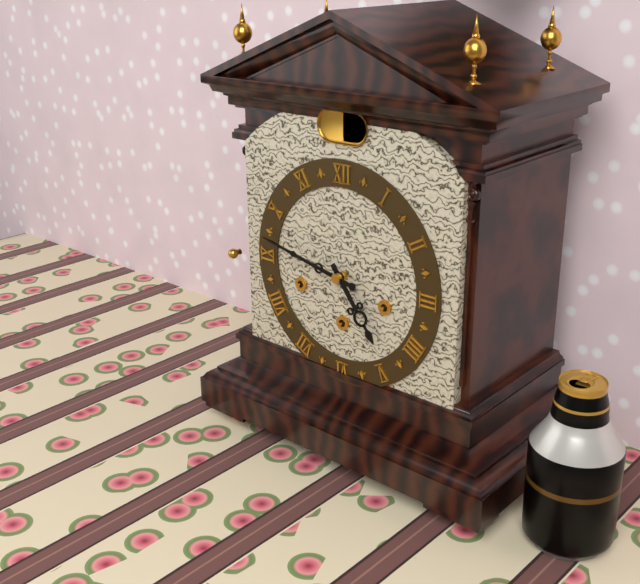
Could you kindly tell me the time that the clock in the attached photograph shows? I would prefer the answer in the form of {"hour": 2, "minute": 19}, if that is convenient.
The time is {"hour": 4, "minute": 47}
